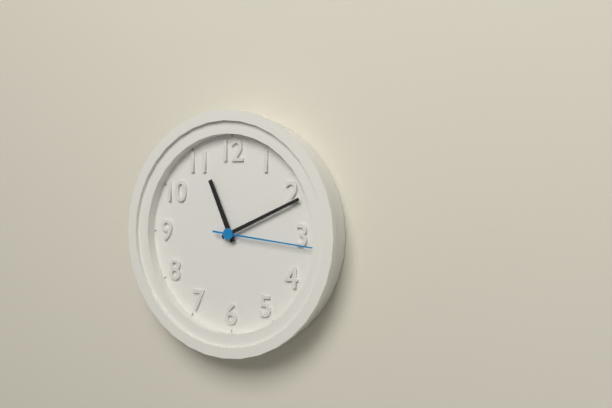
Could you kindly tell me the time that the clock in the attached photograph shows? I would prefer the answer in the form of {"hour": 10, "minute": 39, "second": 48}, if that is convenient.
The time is {"hour": 11, "minute": 11, "second": 16}
